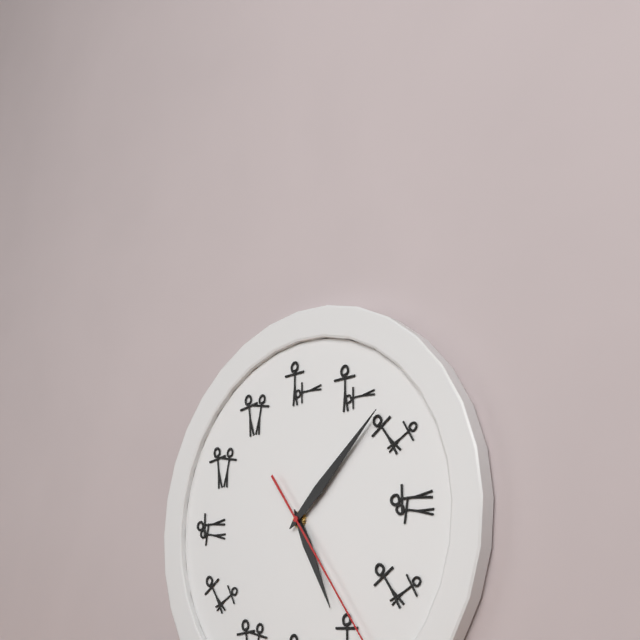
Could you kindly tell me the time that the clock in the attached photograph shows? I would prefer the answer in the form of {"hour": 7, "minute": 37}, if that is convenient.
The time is {"hour": 5, "minute": 8}
